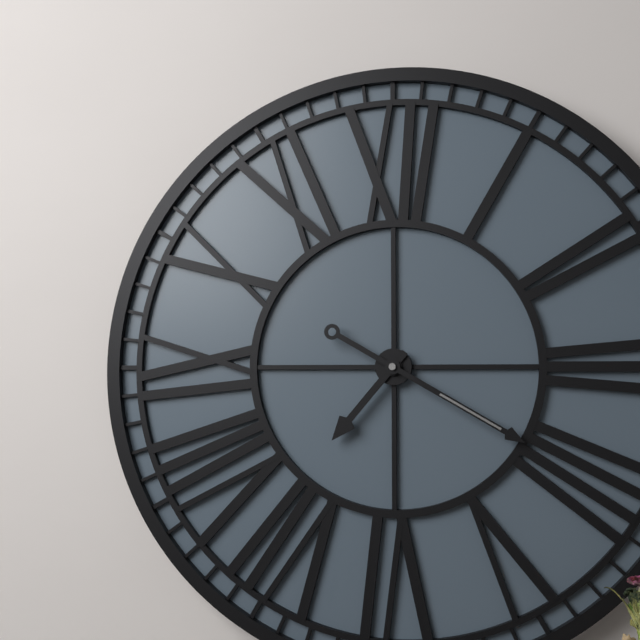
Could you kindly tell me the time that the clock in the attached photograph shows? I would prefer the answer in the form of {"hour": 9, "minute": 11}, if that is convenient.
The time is {"hour": 7, "minute": 20}
